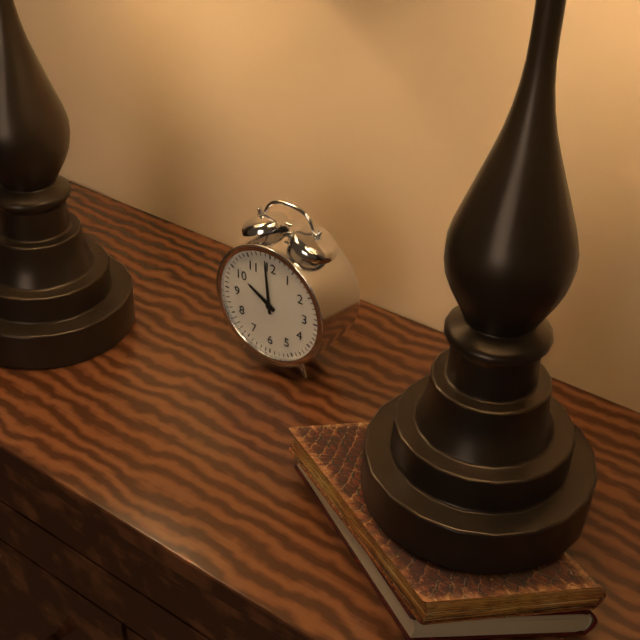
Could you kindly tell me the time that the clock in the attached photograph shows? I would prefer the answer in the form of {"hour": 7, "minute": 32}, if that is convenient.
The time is {"hour": 9, "minute": 59}
